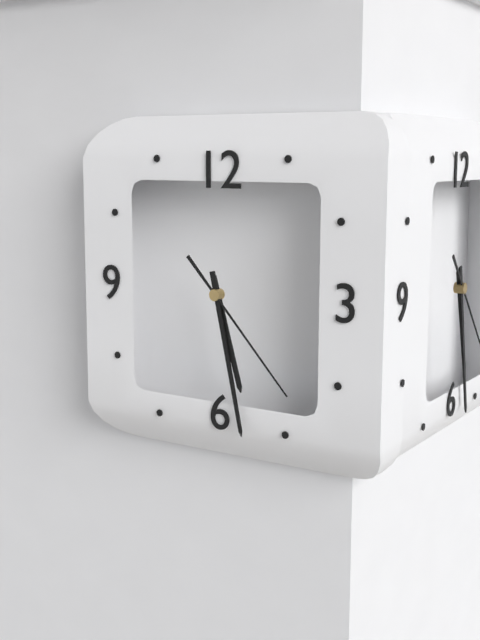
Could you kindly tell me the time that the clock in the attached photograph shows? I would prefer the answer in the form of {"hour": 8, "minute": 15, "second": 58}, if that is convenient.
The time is {"hour": 5, "minute": 28, "second": 23}
